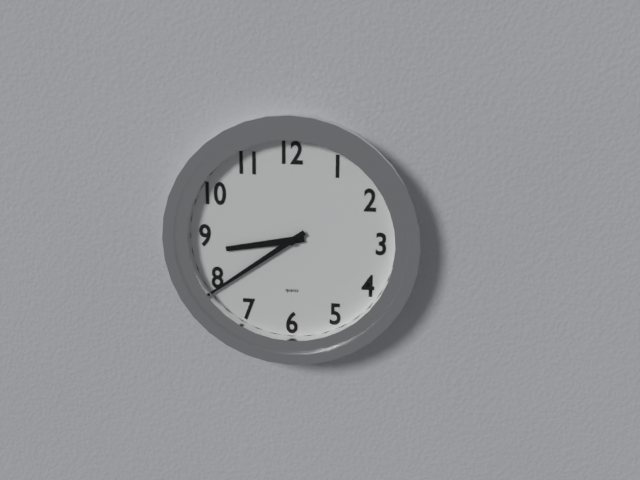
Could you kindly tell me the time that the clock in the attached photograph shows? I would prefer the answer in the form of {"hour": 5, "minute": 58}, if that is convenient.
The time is {"hour": 8, "minute": 39}
